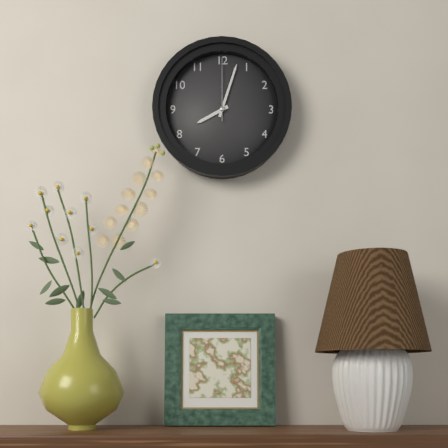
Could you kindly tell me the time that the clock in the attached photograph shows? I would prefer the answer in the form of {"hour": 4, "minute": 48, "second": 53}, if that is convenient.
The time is {"hour": 8, "minute": 3, "second": 0}
